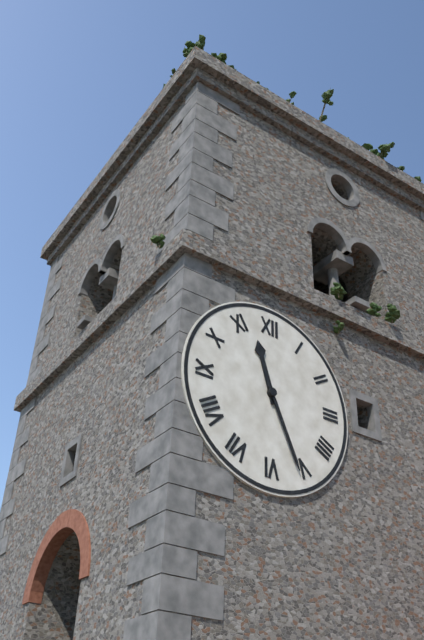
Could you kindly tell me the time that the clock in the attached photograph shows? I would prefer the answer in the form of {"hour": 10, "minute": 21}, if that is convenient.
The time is {"hour": 11, "minute": 26}
